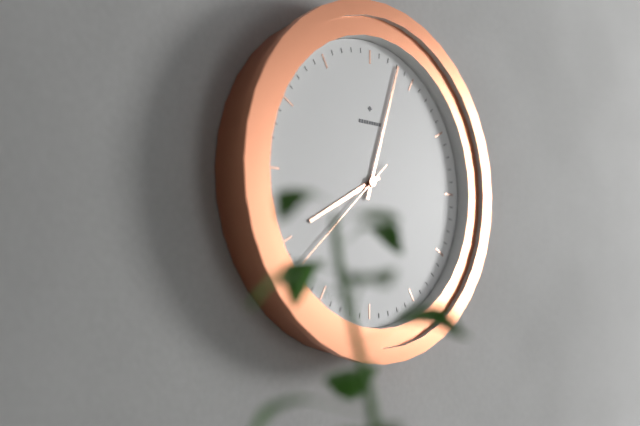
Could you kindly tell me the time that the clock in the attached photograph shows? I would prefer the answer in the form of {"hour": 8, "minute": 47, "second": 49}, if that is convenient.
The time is {"hour": 8, "minute": 3, "second": 38}
